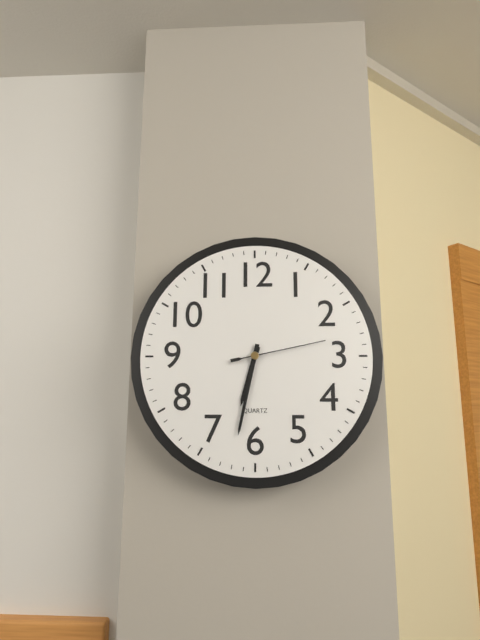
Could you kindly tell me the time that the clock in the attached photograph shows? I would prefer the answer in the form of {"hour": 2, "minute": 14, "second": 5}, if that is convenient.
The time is {"hour": 6, "minute": 32, "second": 13}
